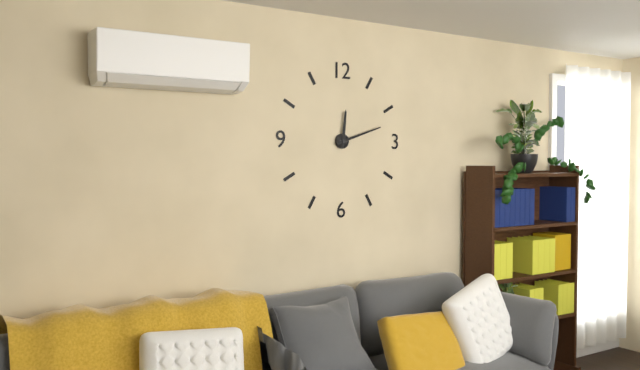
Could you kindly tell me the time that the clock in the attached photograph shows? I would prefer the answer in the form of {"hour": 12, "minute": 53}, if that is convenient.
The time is {"hour": 12, "minute": 12}
